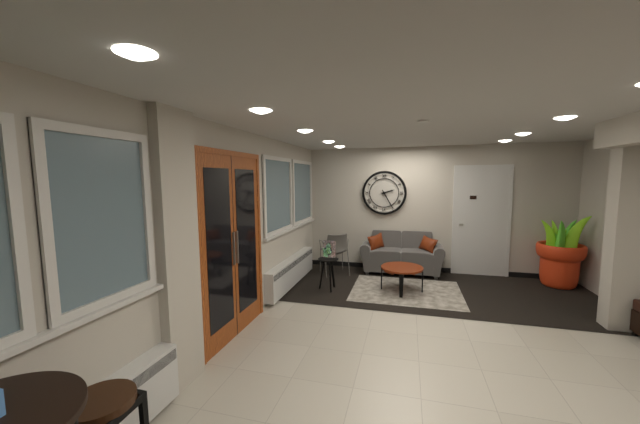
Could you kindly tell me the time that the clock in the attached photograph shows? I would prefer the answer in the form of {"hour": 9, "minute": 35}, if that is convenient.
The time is {"hour": 2, "minute": 25}
